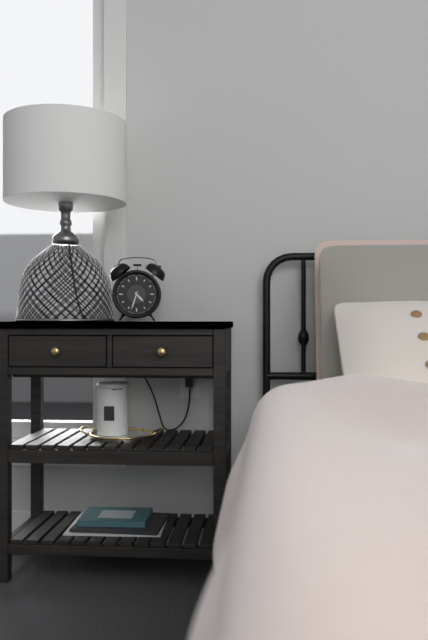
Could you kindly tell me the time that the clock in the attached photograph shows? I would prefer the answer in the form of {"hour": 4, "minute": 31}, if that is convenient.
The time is {"hour": 4, "minute": 33}
